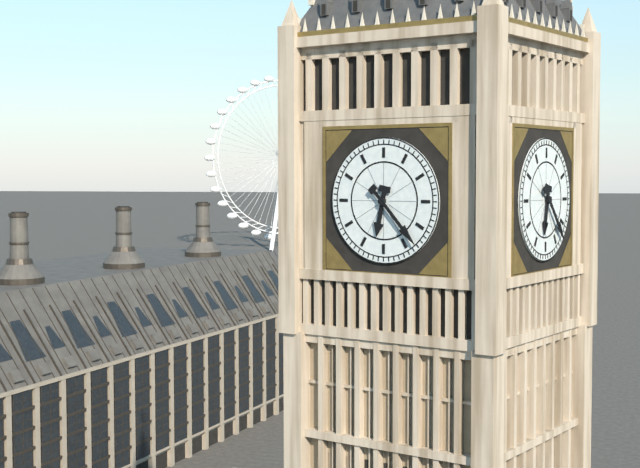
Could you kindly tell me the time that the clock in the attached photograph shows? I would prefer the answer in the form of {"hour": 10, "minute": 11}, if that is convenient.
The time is {"hour": 6, "minute": 23}
